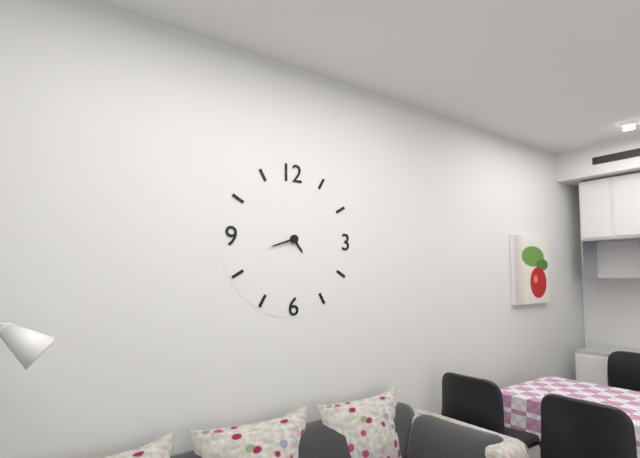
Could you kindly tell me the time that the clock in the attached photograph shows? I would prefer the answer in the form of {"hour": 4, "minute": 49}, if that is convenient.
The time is {"hour": 4, "minute": 42}
